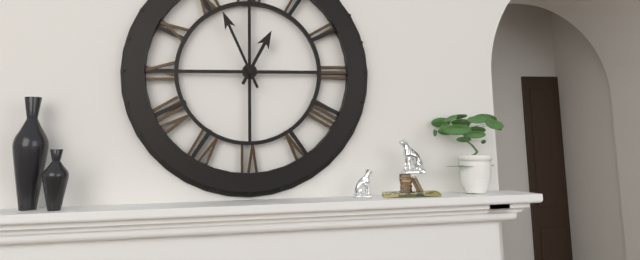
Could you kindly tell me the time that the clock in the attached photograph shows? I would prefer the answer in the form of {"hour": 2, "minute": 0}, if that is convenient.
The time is {"hour": 12, "minute": 56}
